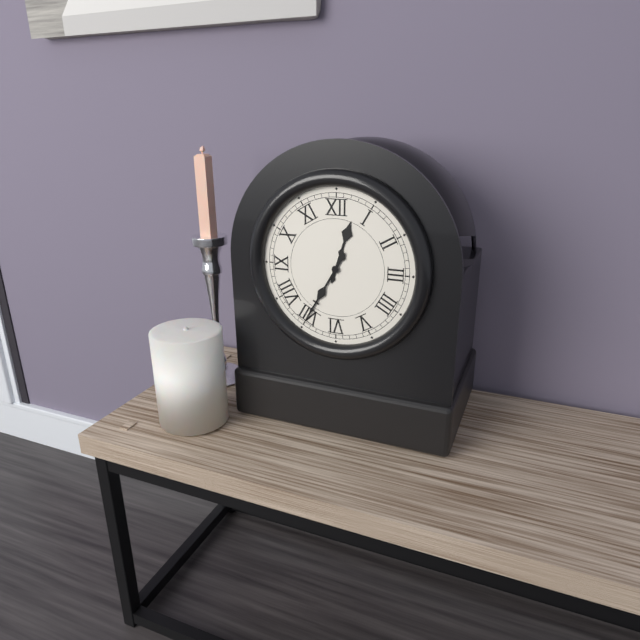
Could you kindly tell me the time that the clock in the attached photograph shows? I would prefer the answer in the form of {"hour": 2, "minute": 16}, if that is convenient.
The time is {"hour": 12, "minute": 35}
